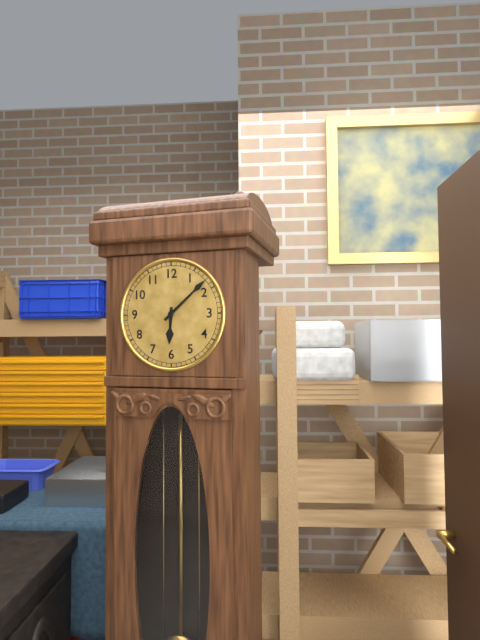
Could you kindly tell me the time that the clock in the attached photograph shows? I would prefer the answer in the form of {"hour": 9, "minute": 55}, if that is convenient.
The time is {"hour": 6, "minute": 8}
